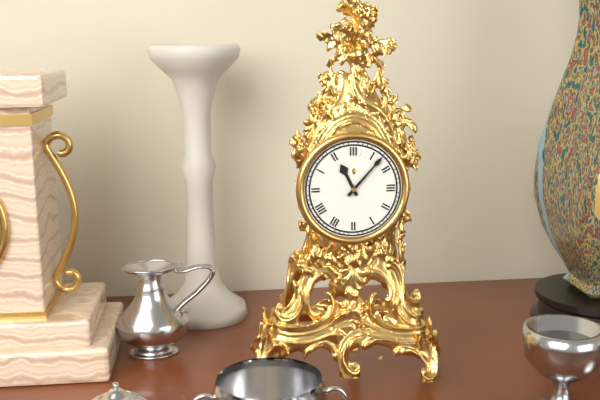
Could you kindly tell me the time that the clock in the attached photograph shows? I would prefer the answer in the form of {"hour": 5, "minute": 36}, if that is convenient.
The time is {"hour": 11, "minute": 7}
